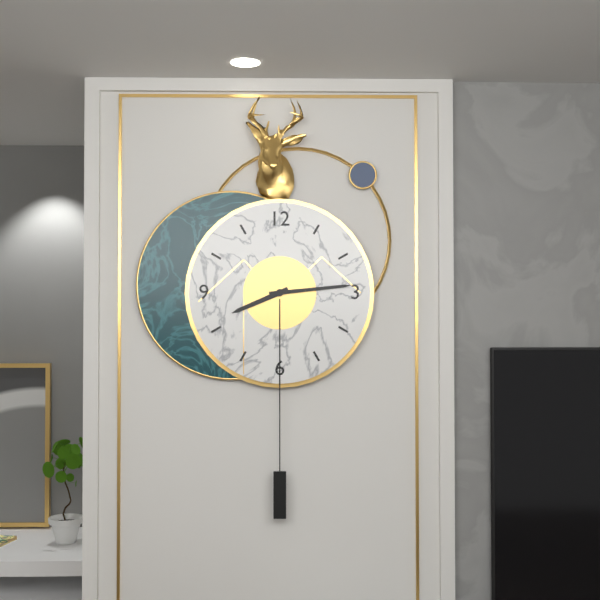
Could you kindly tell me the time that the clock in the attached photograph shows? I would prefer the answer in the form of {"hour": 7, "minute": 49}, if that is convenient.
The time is {"hour": 8, "minute": 14}
